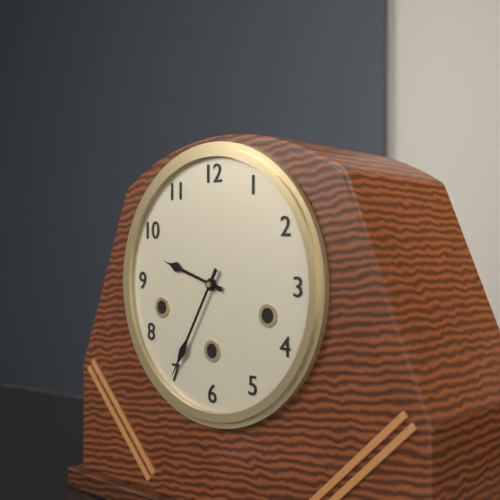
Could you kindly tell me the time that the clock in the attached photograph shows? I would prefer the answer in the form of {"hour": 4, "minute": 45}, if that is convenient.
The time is {"hour": 9, "minute": 35}
